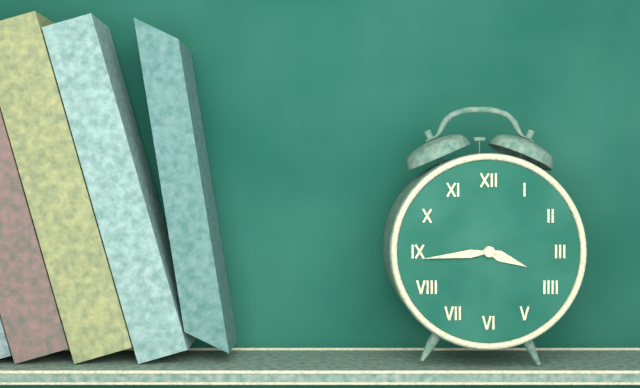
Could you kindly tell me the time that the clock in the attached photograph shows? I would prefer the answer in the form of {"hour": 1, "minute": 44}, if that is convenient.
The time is {"hour": 3, "minute": 44}
